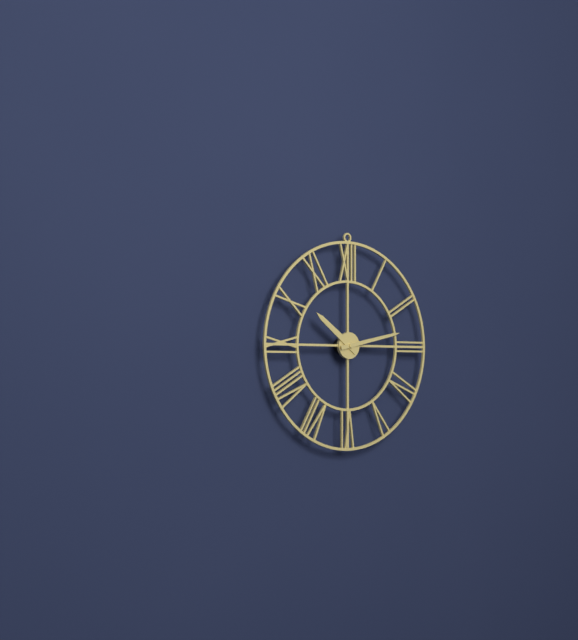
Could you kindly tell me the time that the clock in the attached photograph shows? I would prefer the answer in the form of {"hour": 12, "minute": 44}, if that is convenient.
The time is {"hour": 10, "minute": 13}
